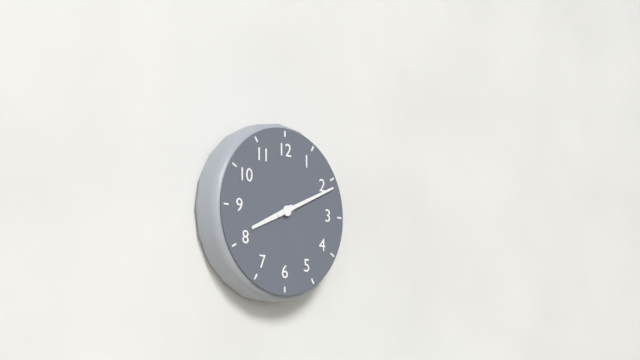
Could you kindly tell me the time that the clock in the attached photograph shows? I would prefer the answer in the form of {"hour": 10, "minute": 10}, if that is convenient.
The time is {"hour": 8, "minute": 11}
